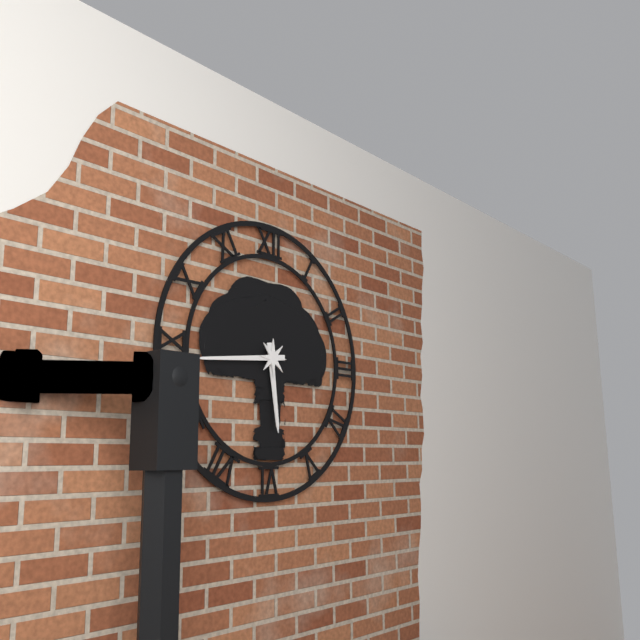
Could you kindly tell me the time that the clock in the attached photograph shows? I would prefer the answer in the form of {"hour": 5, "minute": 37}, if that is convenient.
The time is {"hour": 5, "minute": 44}
